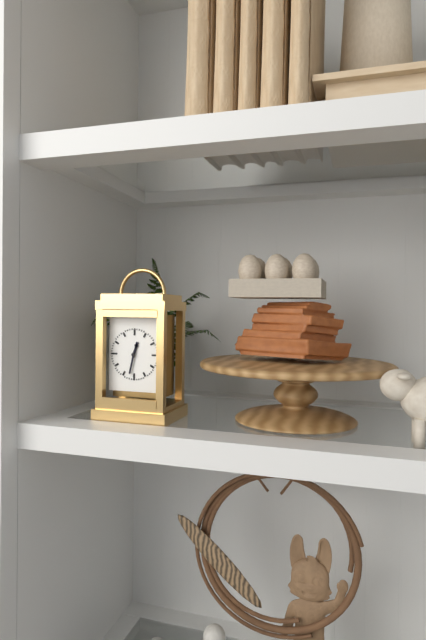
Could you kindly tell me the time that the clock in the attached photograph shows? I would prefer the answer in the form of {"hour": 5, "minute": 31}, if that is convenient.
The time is {"hour": 12, "minute": 32}
